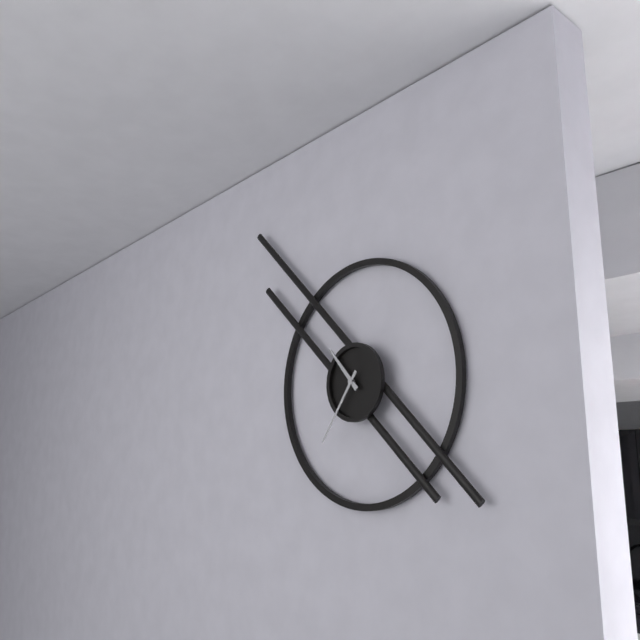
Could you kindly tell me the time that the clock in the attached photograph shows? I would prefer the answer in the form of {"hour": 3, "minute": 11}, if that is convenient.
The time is {"hour": 10, "minute": 36}
